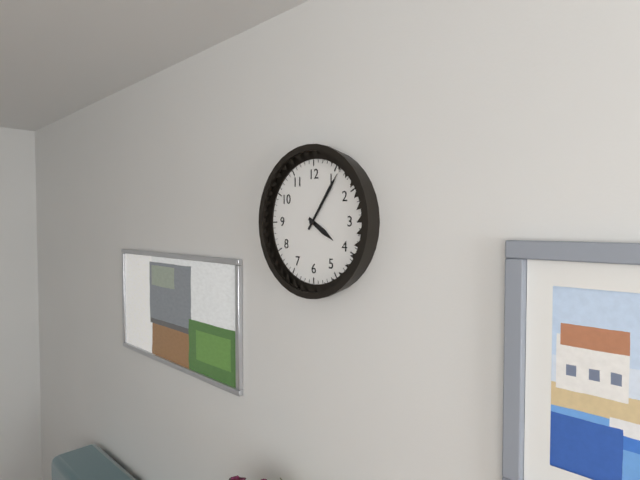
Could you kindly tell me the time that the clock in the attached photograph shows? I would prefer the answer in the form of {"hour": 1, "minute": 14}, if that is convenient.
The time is {"hour": 4, "minute": 6}
